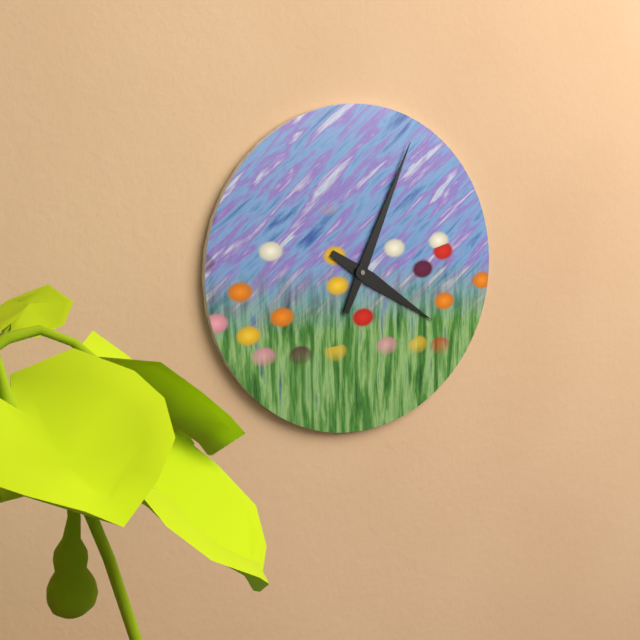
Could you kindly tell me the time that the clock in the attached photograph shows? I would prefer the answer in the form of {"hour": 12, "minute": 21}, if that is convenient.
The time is {"hour": 4, "minute": 4}
